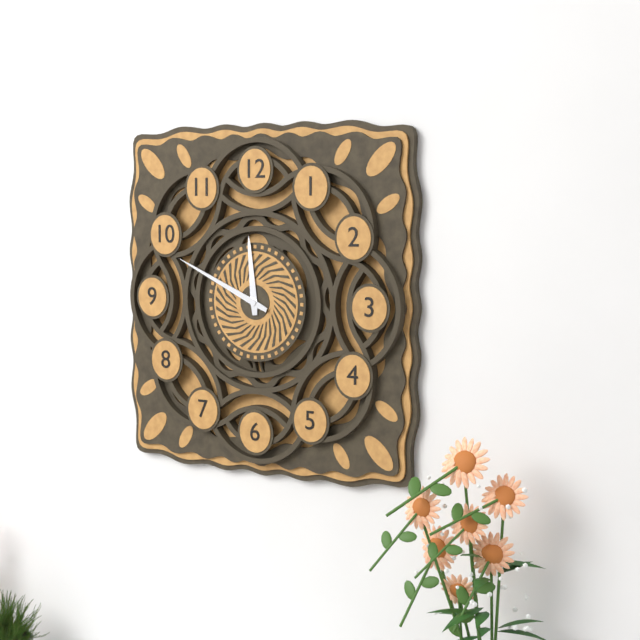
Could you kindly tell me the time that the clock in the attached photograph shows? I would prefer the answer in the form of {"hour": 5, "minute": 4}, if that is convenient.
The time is {"hour": 11, "minute": 49}
